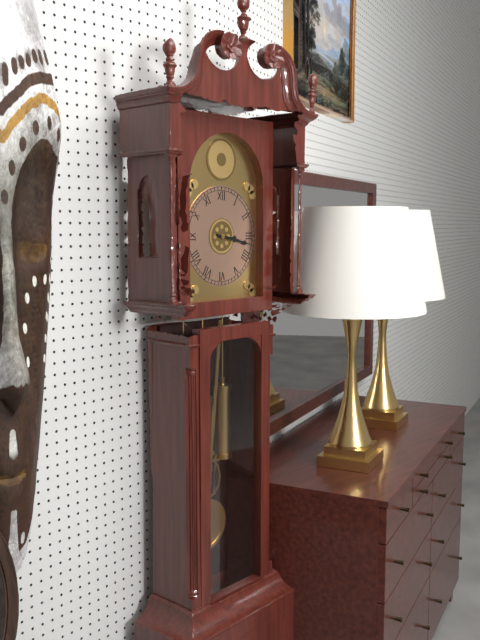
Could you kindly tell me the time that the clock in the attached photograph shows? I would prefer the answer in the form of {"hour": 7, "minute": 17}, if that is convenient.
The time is {"hour": 3, "minute": 17}
